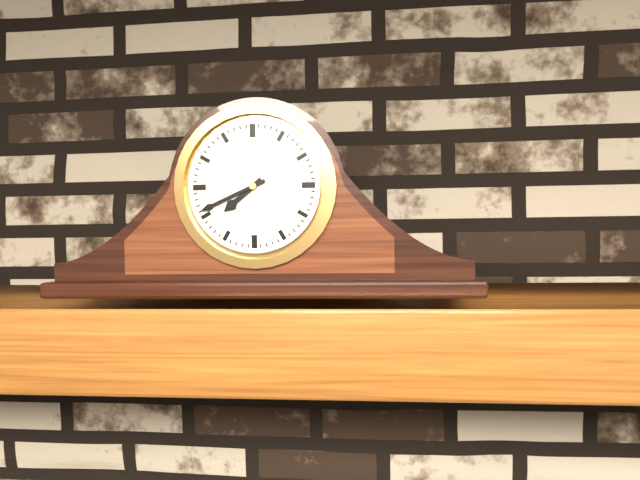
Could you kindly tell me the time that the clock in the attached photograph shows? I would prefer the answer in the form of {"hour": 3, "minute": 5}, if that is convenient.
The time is {"hour": 7, "minute": 41}
